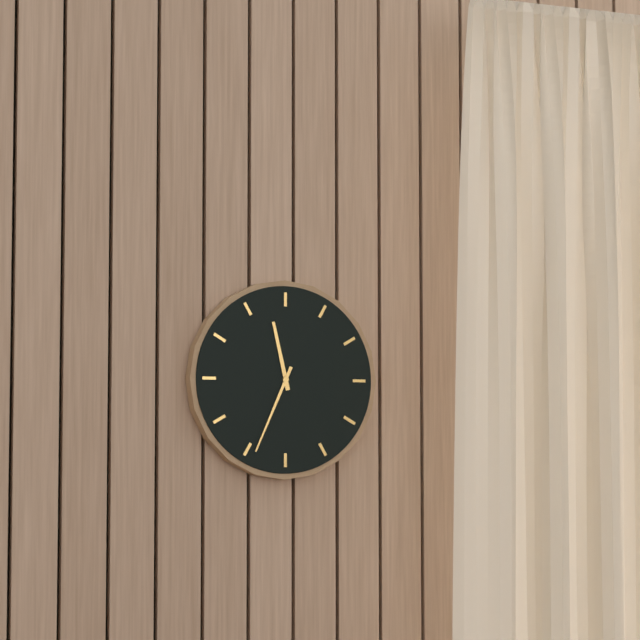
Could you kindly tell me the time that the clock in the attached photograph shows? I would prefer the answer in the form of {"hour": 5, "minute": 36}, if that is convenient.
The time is {"hour": 11, "minute": 34}
